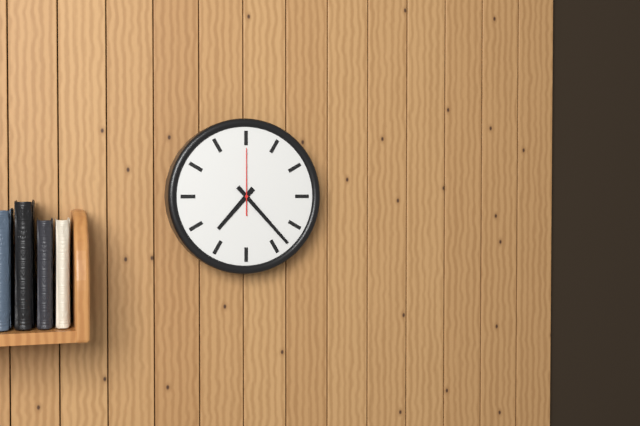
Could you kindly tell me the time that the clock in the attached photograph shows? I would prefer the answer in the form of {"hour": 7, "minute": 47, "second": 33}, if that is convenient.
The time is {"hour": 7, "minute": 23, "second": 0}
